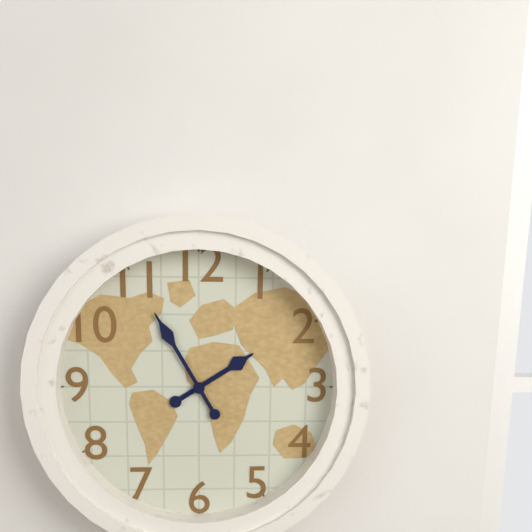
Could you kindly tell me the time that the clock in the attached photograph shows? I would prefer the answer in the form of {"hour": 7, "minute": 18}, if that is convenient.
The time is {"hour": 1, "minute": 55}
